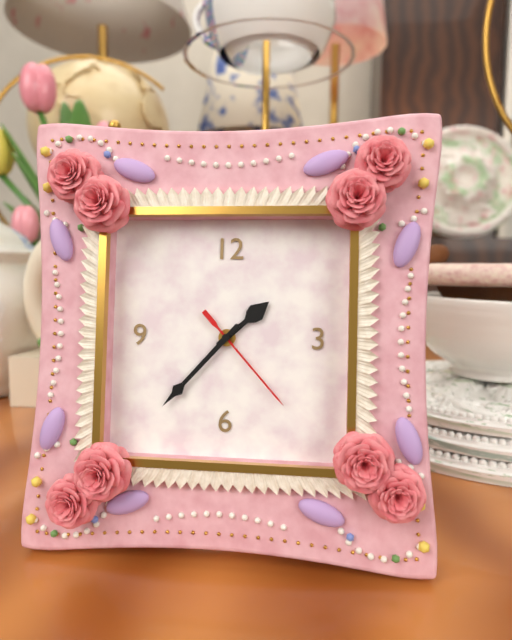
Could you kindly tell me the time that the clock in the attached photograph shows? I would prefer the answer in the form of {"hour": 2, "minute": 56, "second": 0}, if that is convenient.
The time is {"hour": 1, "minute": 37, "second": 23}
